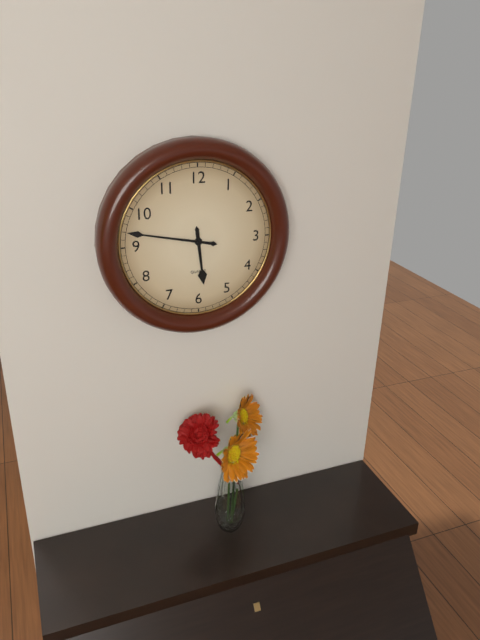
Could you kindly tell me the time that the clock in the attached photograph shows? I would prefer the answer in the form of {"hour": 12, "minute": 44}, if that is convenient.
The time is {"hour": 5, "minute": 47}
